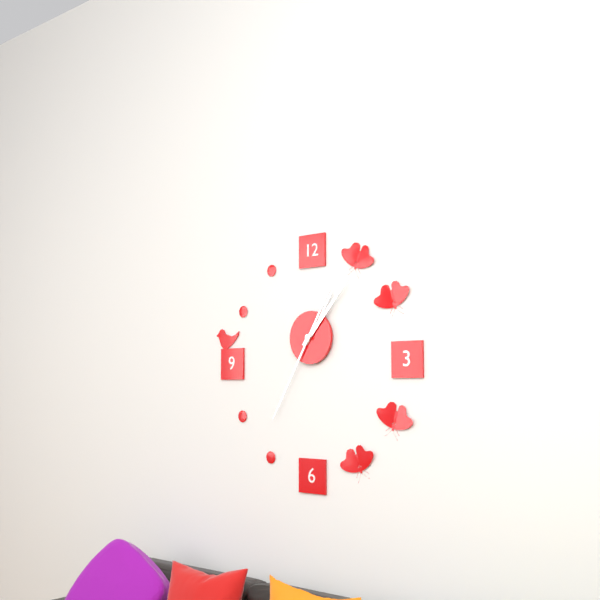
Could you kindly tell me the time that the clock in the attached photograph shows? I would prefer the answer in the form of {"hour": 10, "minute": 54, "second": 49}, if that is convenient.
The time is {"hour": 1, "minute": 7, "second": 35}
